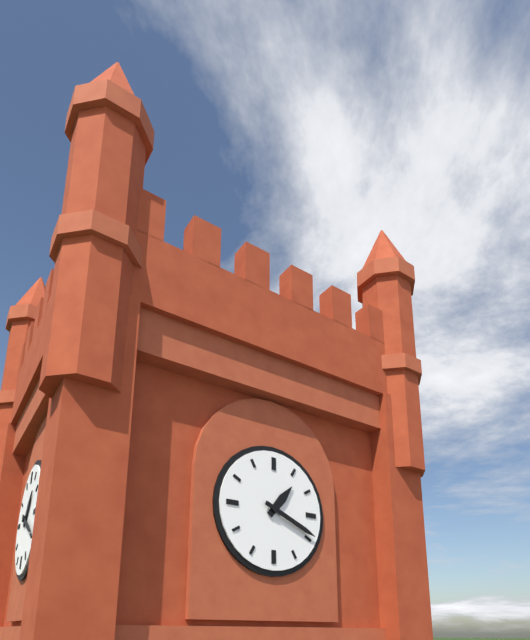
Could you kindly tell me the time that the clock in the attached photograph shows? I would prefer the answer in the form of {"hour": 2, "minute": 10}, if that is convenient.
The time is {"hour": 1, "minute": 19}
